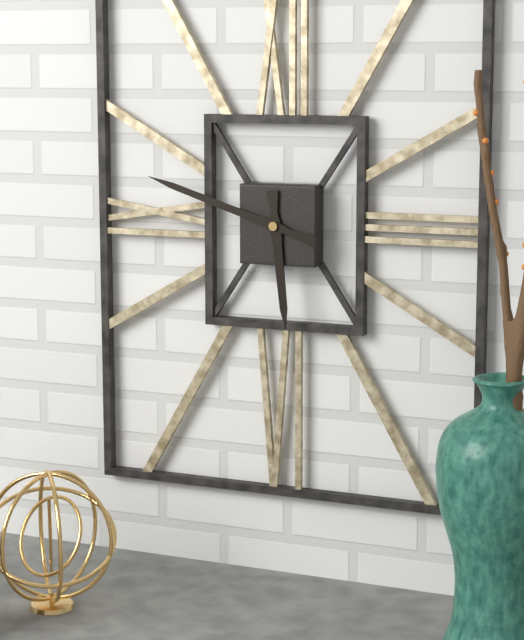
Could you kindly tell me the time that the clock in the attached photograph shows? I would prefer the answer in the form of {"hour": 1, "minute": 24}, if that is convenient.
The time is {"hour": 5, "minute": 48}
